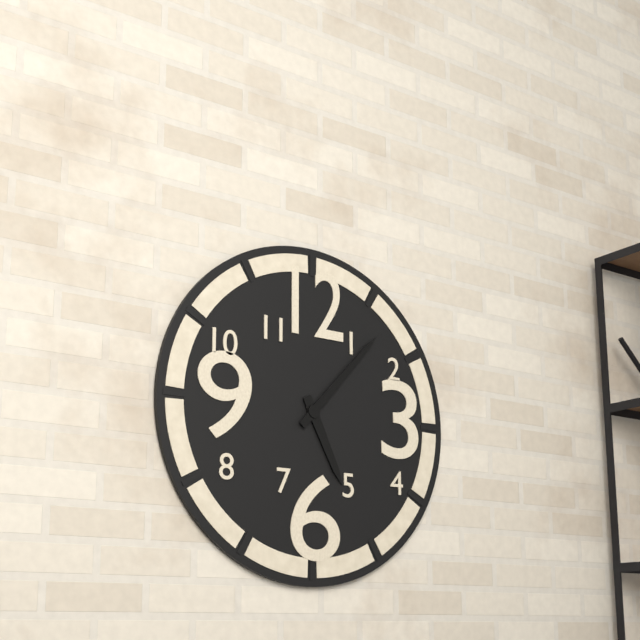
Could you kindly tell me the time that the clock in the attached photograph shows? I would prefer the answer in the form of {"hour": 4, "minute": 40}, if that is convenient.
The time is {"hour": 5, "minute": 7}
